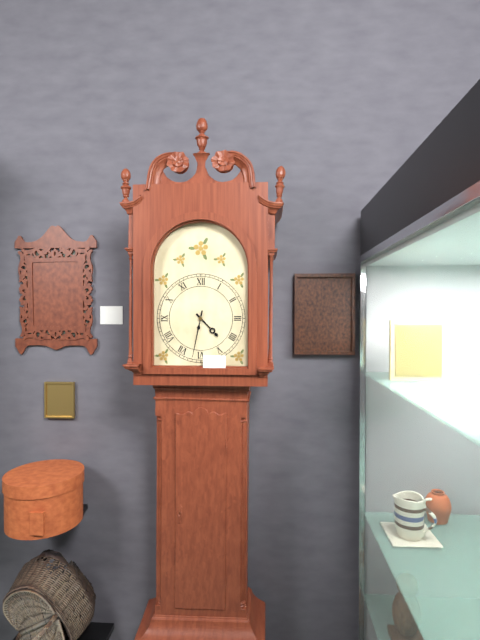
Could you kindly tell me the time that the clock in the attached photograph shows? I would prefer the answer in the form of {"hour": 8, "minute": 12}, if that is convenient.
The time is {"hour": 4, "minute": 32}
